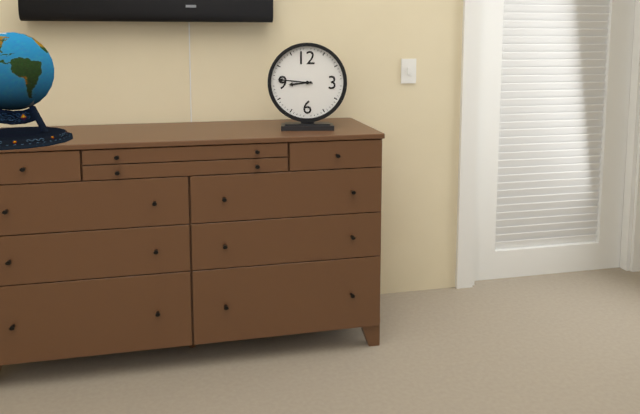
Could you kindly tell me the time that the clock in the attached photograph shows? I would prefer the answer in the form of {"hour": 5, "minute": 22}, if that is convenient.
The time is {"hour": 8, "minute": 46}
